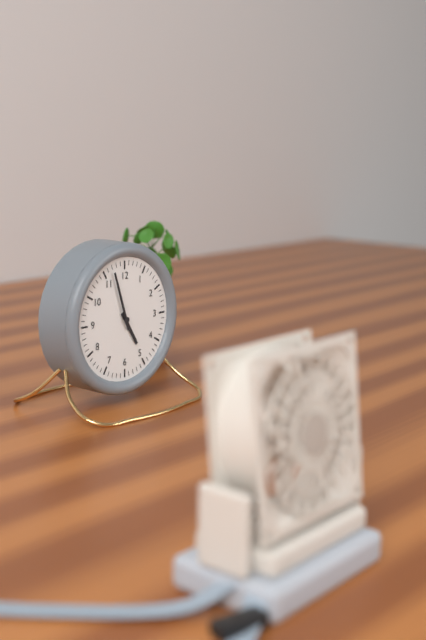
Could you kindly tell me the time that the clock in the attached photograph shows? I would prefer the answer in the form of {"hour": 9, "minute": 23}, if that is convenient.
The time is {"hour": 4, "minute": 57}
